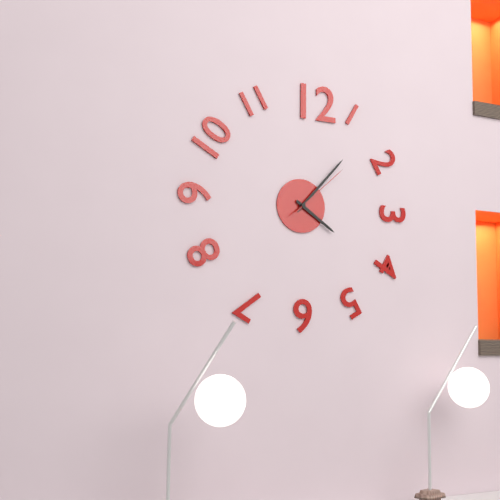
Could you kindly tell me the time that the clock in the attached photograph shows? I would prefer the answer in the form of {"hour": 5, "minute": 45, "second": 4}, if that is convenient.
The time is {"hour": 4, "minute": 7, "second": 8}
